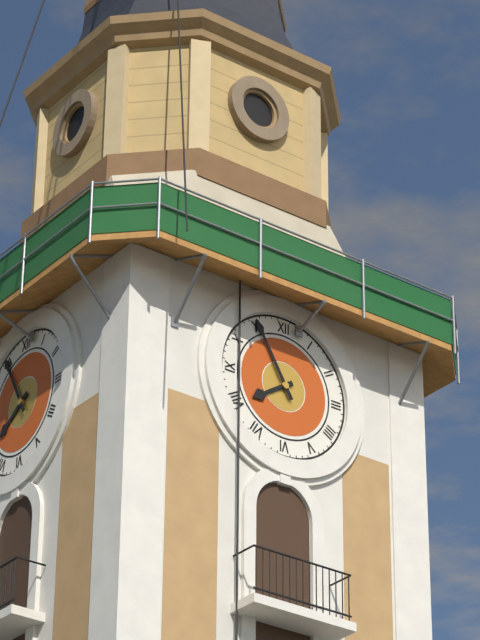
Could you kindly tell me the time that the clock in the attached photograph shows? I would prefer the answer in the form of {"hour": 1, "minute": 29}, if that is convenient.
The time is {"hour": 7, "minute": 55}
